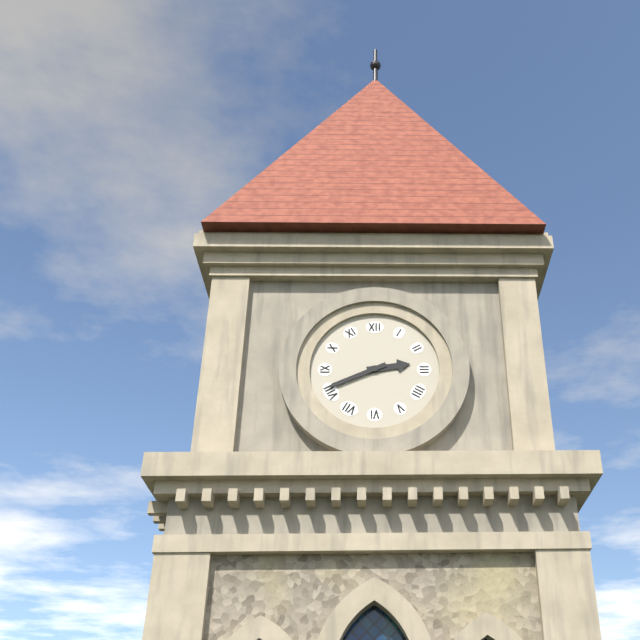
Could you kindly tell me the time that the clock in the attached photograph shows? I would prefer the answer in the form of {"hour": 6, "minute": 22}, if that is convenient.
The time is {"hour": 2, "minute": 41}
